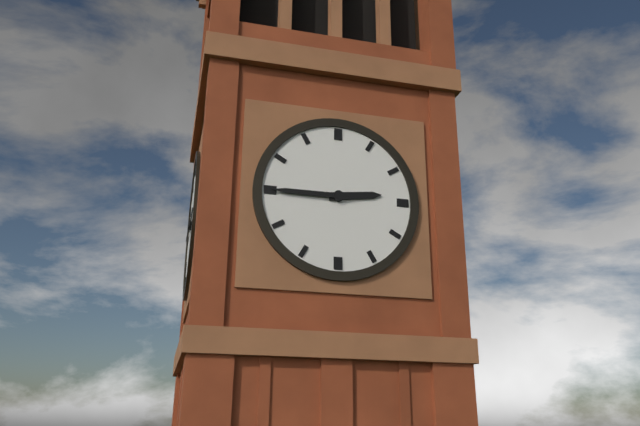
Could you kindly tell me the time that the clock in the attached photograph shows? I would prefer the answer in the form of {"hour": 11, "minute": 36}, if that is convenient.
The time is {"hour": 2, "minute": 45}
